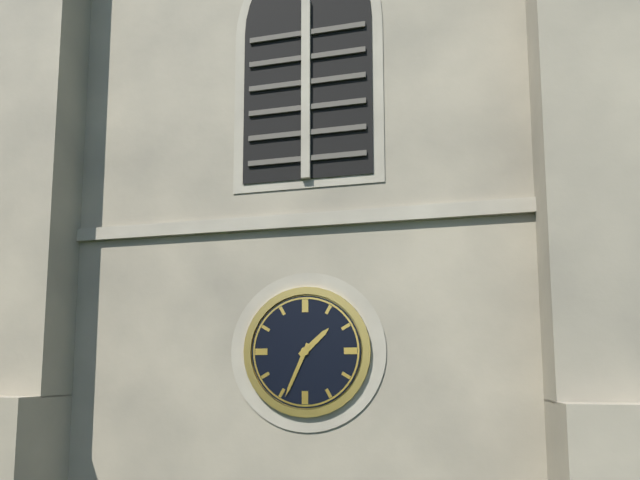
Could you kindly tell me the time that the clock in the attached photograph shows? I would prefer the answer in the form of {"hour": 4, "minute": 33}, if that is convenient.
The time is {"hour": 1, "minute": 34}
